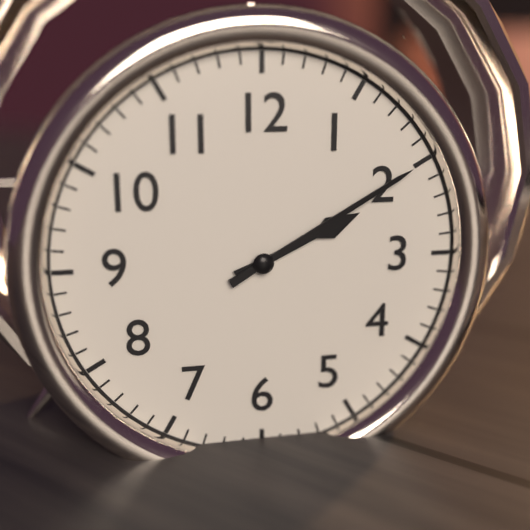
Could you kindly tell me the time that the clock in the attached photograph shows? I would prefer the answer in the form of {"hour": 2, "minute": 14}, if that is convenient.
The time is {"hour": 2, "minute": 10}
